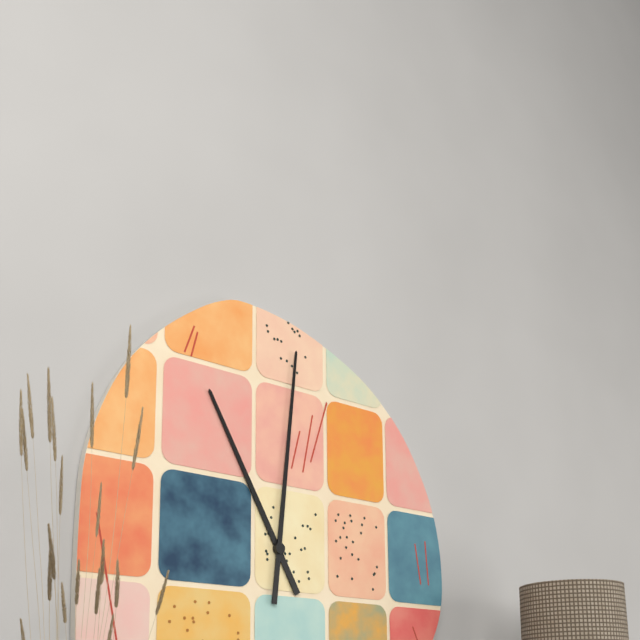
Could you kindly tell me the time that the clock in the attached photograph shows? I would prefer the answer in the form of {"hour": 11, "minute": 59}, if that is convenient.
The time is {"hour": 11, "minute": 1}
